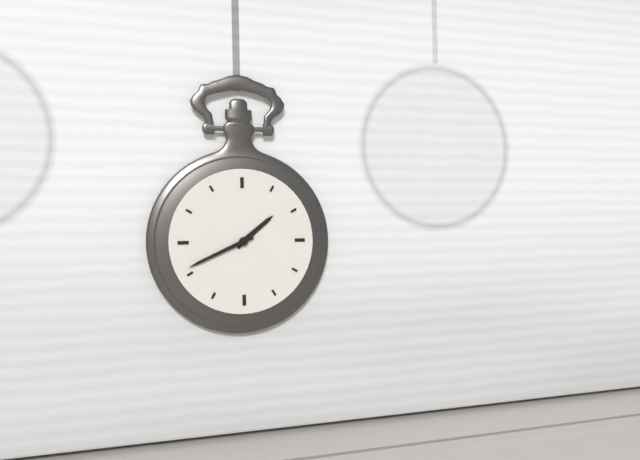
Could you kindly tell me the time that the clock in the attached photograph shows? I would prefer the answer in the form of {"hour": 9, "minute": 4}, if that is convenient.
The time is {"hour": 1, "minute": 41}
